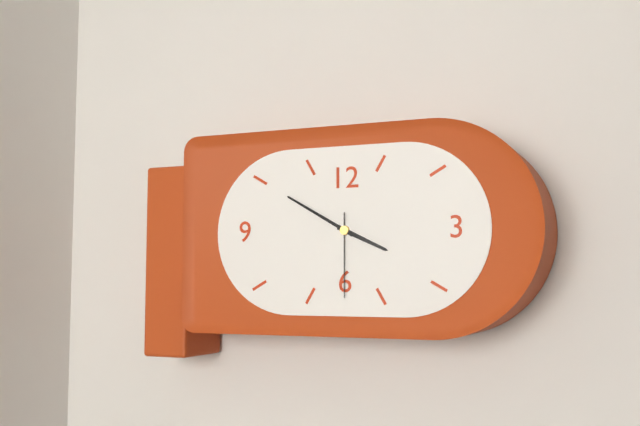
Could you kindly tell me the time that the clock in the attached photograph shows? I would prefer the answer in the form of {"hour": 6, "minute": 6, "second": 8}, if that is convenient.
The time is {"hour": 3, "minute": 50, "second": 30}
